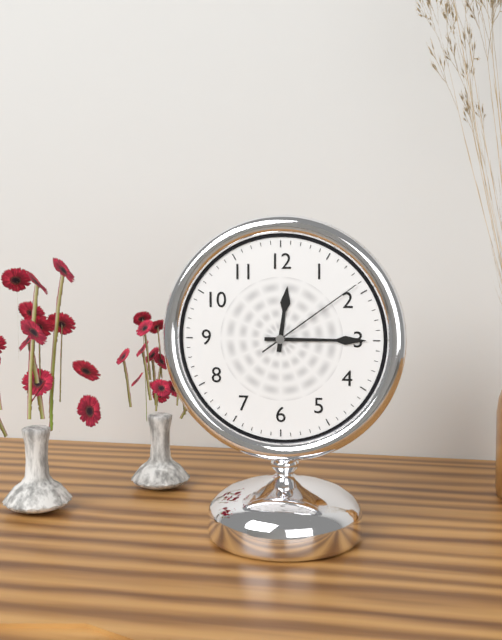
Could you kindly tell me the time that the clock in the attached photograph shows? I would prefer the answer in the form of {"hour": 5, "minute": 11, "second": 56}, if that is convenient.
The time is {"hour": 12, "minute": 15, "second": 9}
